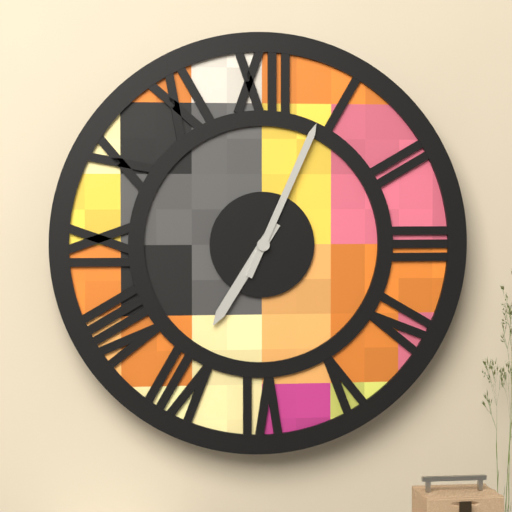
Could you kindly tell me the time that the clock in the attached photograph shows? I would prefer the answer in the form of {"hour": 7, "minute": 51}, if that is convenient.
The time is {"hour": 7, "minute": 4}
